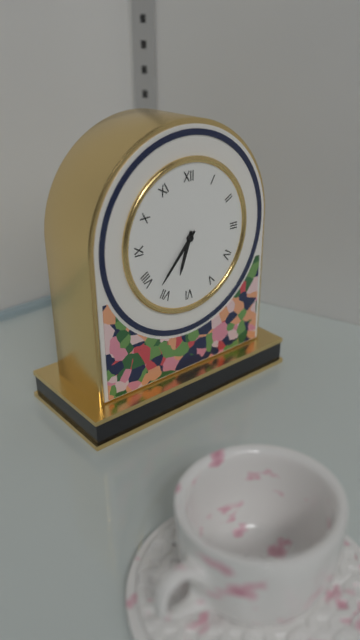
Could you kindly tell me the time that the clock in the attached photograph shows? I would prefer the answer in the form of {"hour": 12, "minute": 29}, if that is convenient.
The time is {"hour": 6, "minute": 37}
